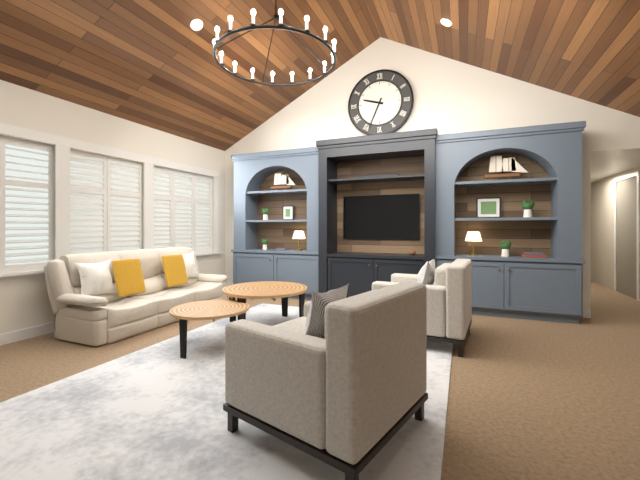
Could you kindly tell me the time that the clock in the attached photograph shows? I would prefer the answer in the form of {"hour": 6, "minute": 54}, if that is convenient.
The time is {"hour": 9, "minute": 34}
